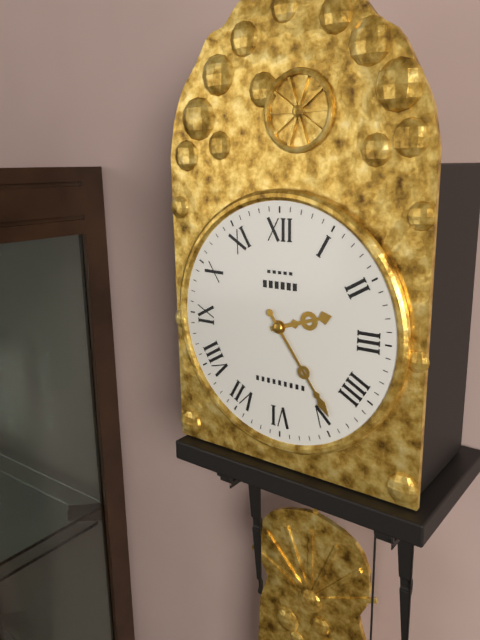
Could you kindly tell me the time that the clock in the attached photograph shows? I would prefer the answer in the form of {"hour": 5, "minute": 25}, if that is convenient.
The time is {"hour": 2, "minute": 24}
